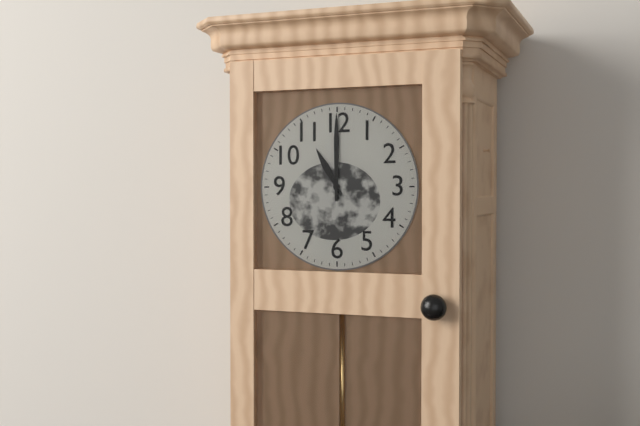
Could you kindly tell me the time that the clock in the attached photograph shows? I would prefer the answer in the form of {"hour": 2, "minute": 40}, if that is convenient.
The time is {"hour": 11, "minute": 0}
